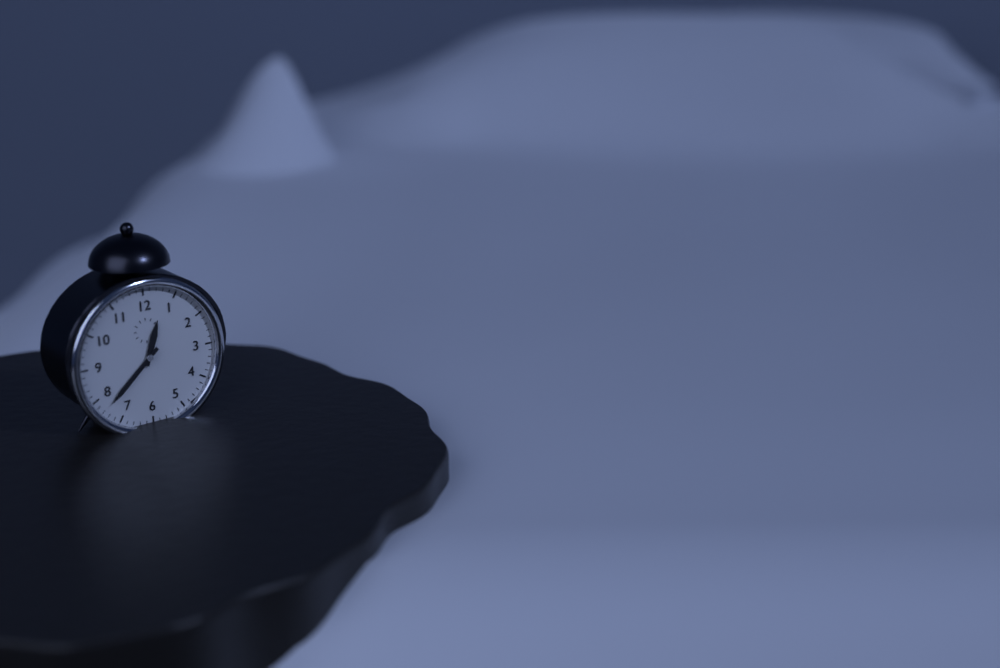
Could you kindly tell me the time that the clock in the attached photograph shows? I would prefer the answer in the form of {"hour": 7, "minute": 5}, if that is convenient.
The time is {"hour": 12, "minute": 38}
